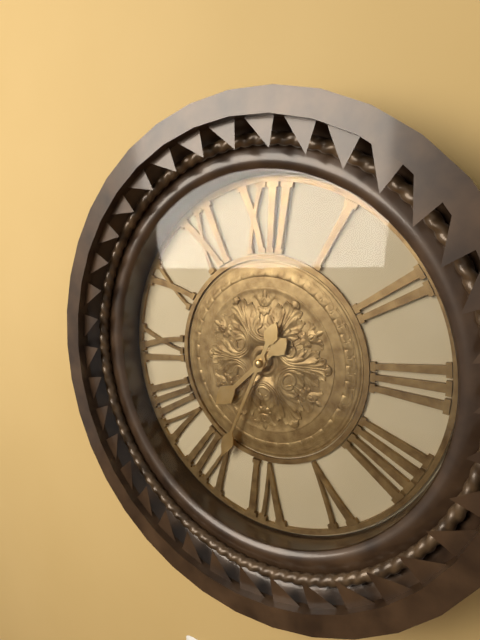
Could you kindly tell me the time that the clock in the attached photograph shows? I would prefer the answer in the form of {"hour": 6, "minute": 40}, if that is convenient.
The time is {"hour": 7, "minute": 34}
